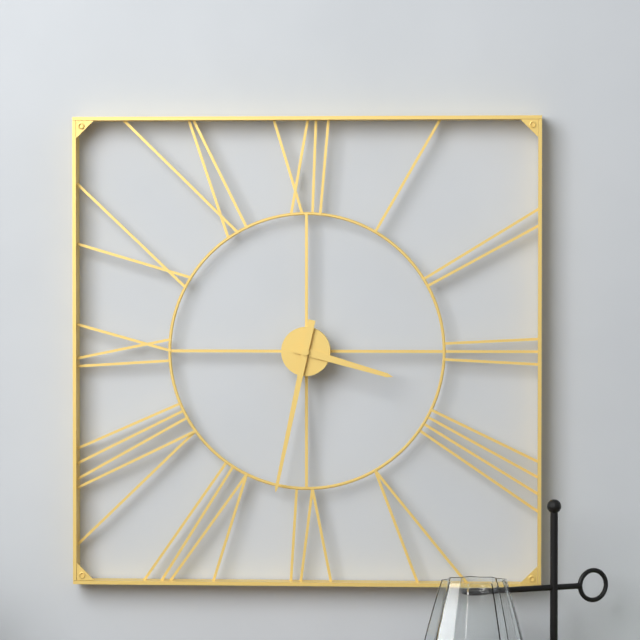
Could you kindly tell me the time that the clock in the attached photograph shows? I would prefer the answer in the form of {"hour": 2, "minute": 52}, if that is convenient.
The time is {"hour": 3, "minute": 32}
